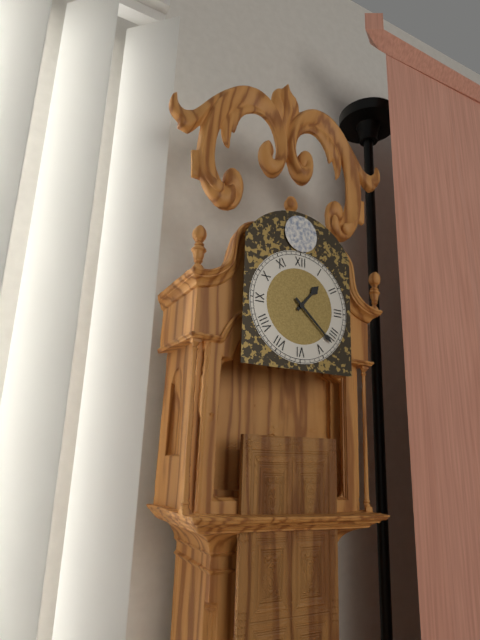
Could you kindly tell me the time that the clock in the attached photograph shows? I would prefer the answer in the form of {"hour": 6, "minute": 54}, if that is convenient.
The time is {"hour": 1, "minute": 22}
